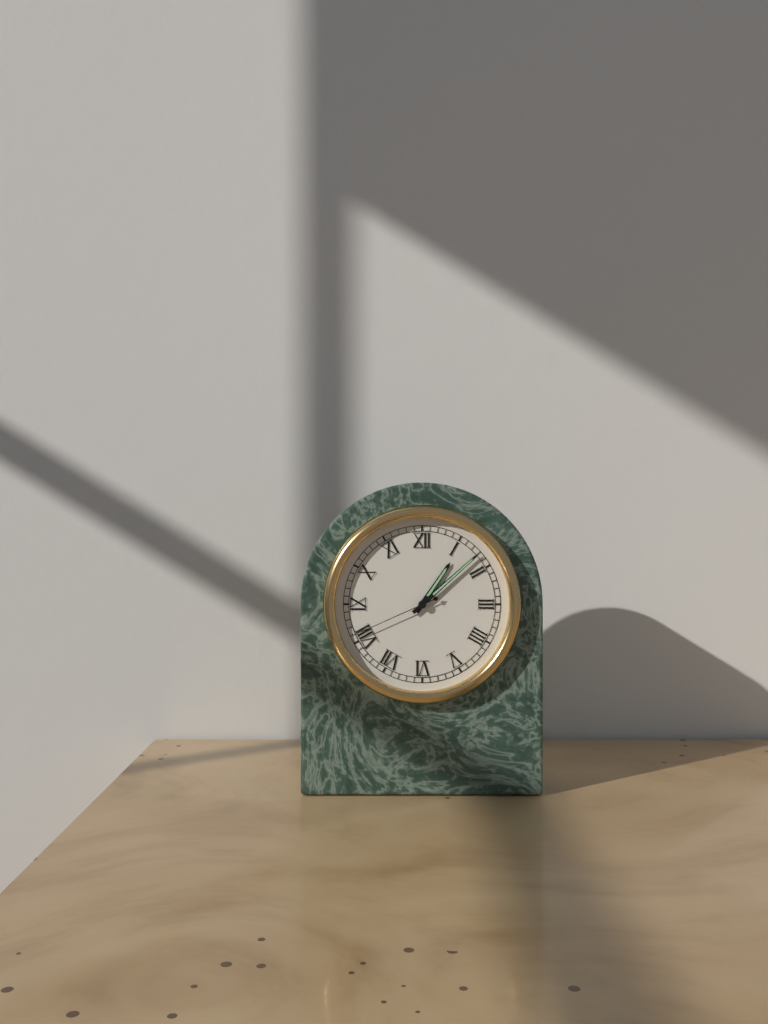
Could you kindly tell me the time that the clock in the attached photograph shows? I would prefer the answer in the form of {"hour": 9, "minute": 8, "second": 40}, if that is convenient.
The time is {"hour": 1, "minute": 8, "second": 41}
